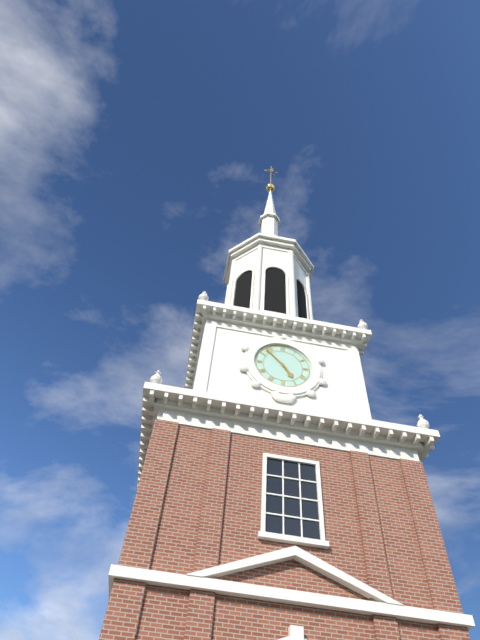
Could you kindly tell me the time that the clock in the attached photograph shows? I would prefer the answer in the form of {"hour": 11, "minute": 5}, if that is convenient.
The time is {"hour": 4, "minute": 53}
